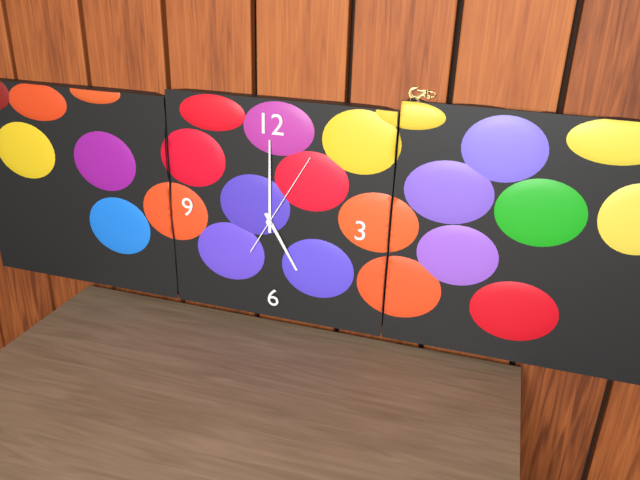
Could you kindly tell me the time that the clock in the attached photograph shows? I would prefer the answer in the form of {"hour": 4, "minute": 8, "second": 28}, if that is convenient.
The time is {"hour": 5, "minute": 0, "second": 5}
